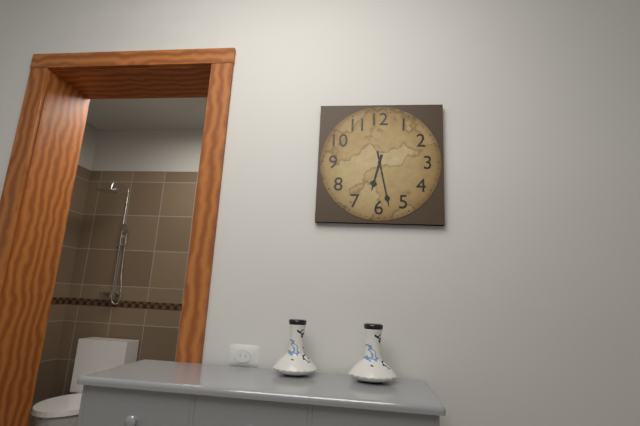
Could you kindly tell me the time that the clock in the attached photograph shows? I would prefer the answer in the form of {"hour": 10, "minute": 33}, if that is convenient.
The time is {"hour": 6, "minute": 28}
